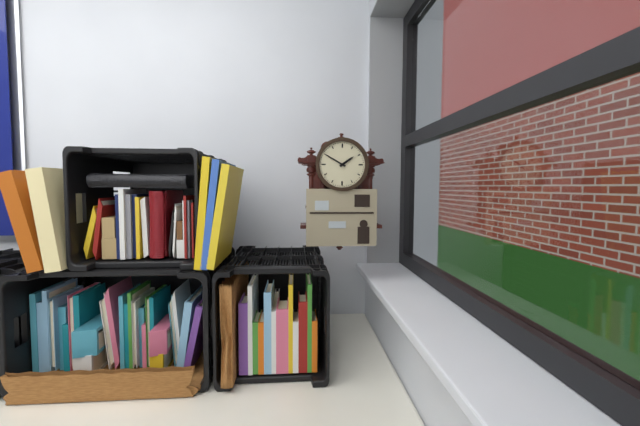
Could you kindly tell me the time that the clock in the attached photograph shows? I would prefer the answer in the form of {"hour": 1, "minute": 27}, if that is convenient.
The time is {"hour": 1, "minute": 50}
